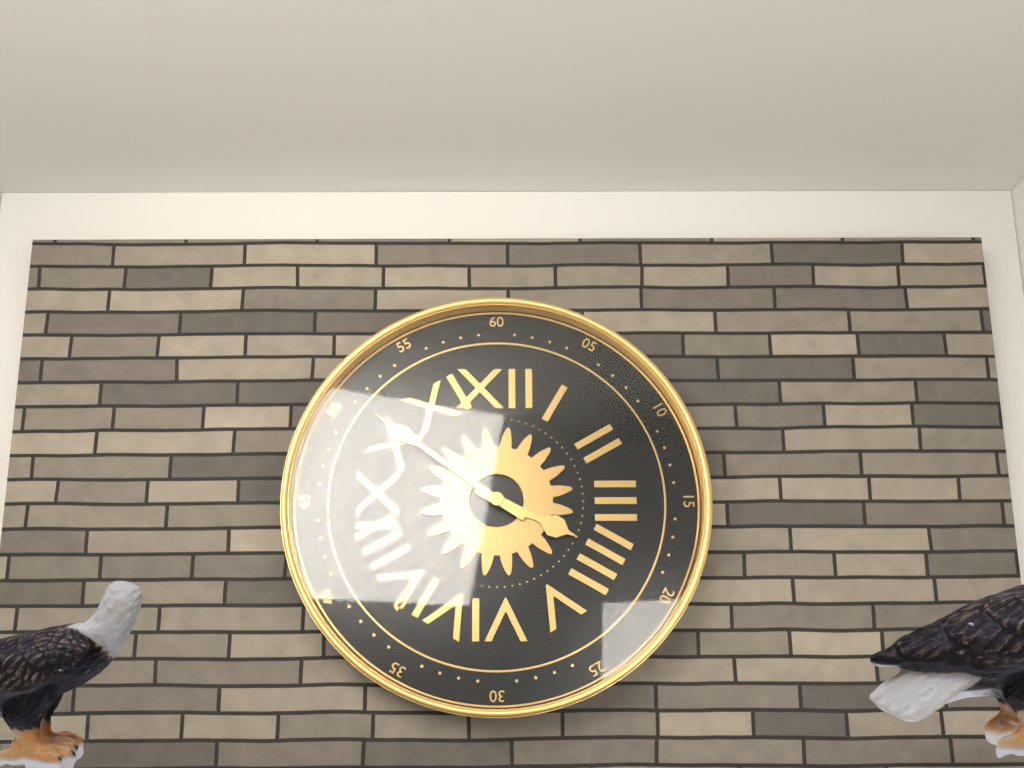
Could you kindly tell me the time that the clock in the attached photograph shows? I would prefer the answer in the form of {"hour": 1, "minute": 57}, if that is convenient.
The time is {"hour": 3, "minute": 51}
